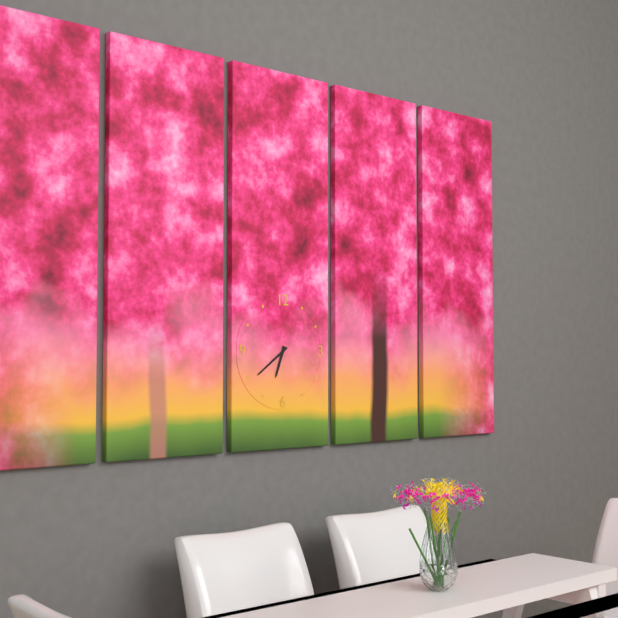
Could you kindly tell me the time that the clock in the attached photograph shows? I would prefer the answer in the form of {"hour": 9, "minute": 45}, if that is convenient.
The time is {"hour": 6, "minute": 39}
